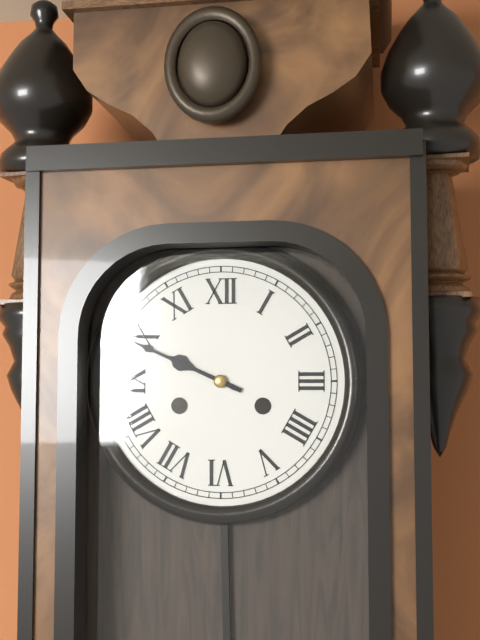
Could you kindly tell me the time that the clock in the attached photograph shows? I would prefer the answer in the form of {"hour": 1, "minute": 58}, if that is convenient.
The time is {"hour": 9, "minute": 49}
